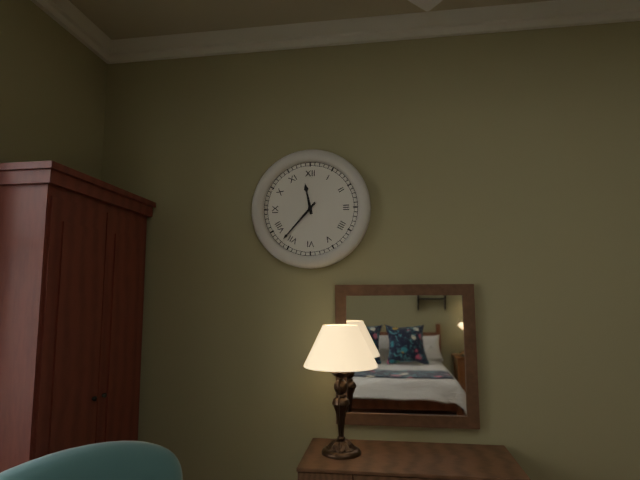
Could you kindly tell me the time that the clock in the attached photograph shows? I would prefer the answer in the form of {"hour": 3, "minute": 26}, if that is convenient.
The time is {"hour": 11, "minute": 37}
